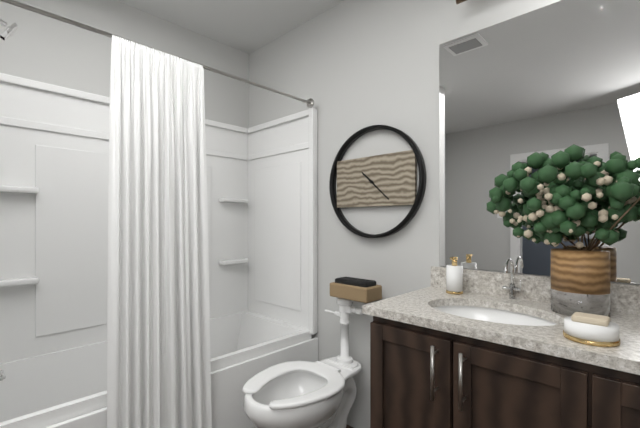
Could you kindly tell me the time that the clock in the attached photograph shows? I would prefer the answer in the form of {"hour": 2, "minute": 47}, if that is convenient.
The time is {"hour": 10, "minute": 22}
